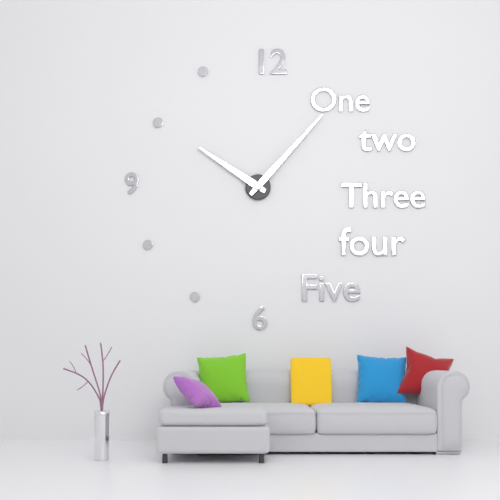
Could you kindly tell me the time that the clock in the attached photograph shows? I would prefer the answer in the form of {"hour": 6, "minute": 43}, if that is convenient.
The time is {"hour": 10, "minute": 7}
